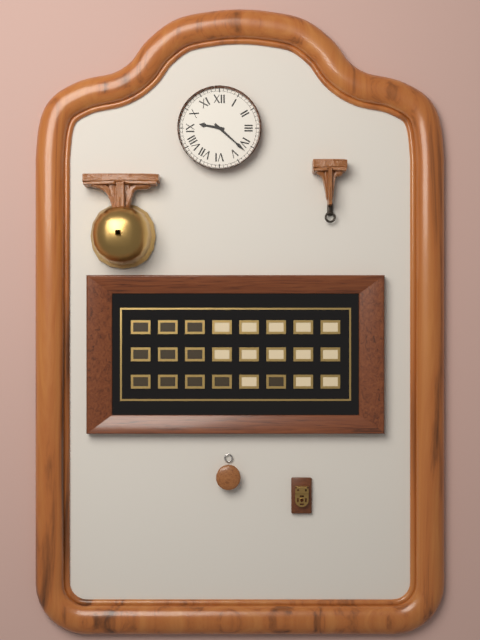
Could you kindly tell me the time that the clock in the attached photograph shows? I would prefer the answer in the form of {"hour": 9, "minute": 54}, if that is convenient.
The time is {"hour": 9, "minute": 22}
